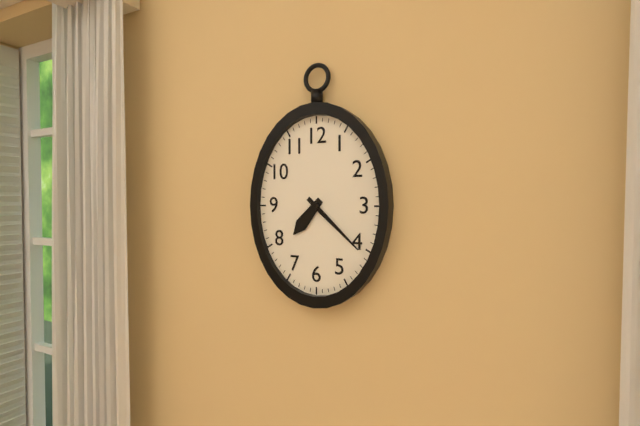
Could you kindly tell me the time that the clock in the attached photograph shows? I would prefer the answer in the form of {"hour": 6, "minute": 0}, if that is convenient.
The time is {"hour": 7, "minute": 22}
